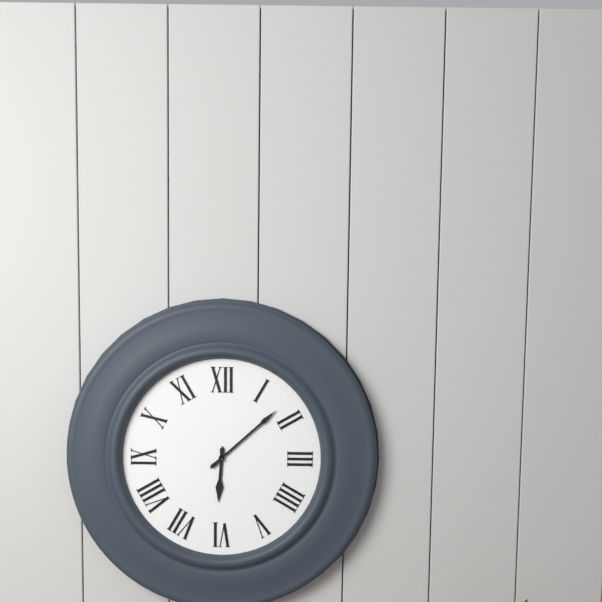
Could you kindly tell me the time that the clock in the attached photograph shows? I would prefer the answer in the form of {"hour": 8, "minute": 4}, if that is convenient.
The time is {"hour": 6, "minute": 8}
